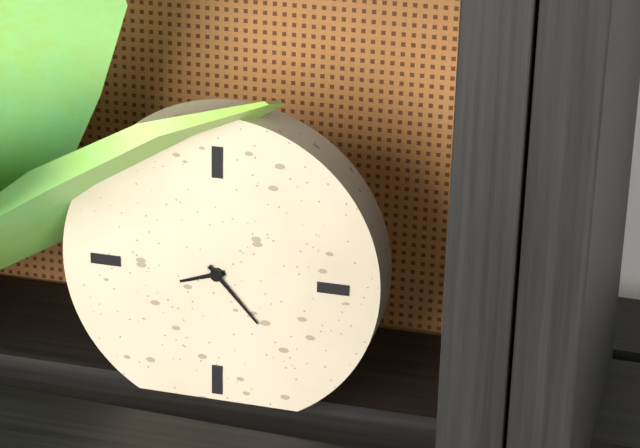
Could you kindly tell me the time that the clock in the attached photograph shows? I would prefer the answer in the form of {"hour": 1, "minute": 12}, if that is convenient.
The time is {"hour": 8, "minute": 23}
